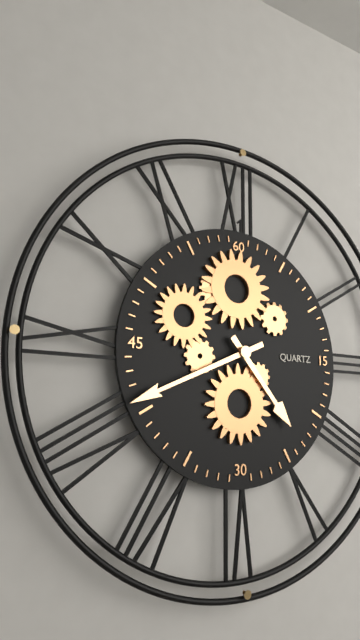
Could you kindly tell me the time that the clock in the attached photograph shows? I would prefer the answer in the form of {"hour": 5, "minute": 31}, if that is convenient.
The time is {"hour": 4, "minute": 41}
